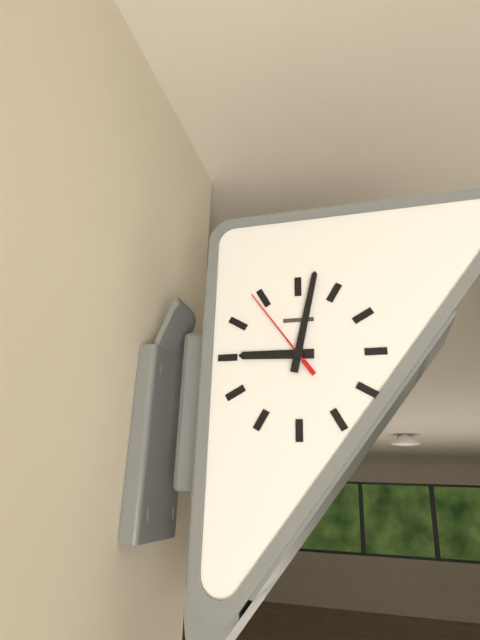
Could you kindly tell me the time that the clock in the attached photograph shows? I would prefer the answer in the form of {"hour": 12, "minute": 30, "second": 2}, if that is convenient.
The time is {"hour": 9, "minute": 2, "second": 54}
